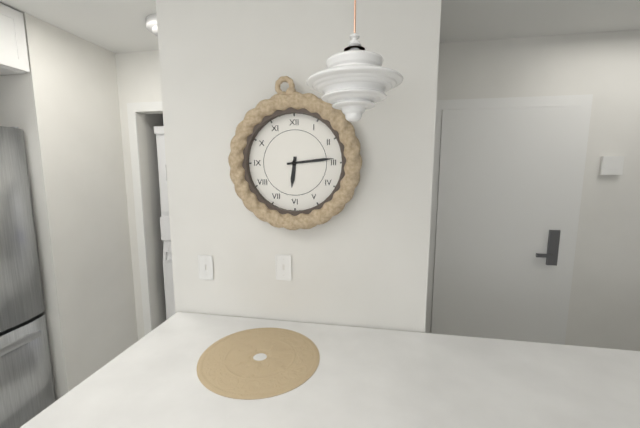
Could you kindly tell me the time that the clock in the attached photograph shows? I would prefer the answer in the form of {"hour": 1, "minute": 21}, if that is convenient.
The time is {"hour": 6, "minute": 14}
